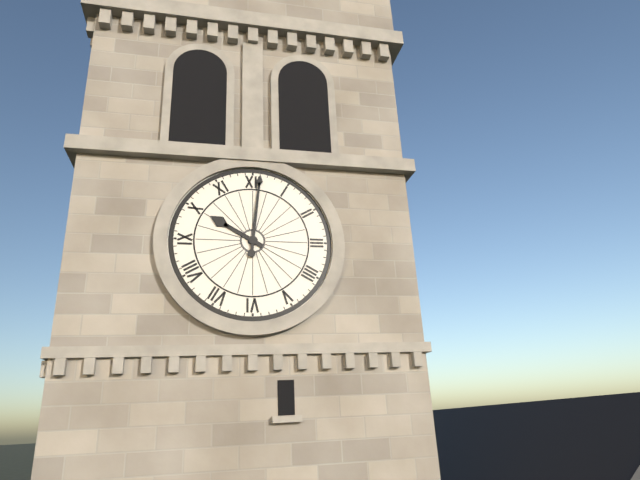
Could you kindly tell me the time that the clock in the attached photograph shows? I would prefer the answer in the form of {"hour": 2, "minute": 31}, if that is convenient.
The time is {"hour": 10, "minute": 1}
